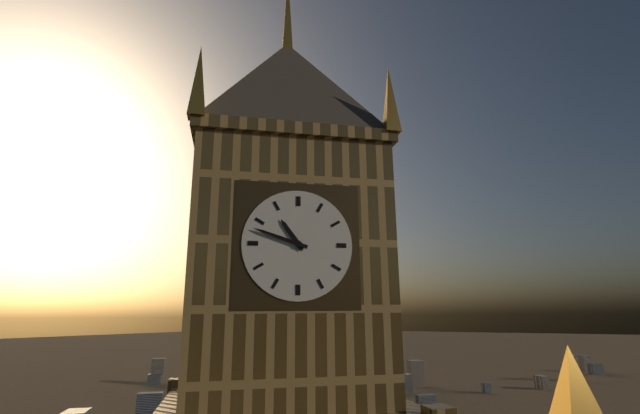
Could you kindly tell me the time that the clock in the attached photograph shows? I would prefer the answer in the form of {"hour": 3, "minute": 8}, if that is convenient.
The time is {"hour": 10, "minute": 48}
